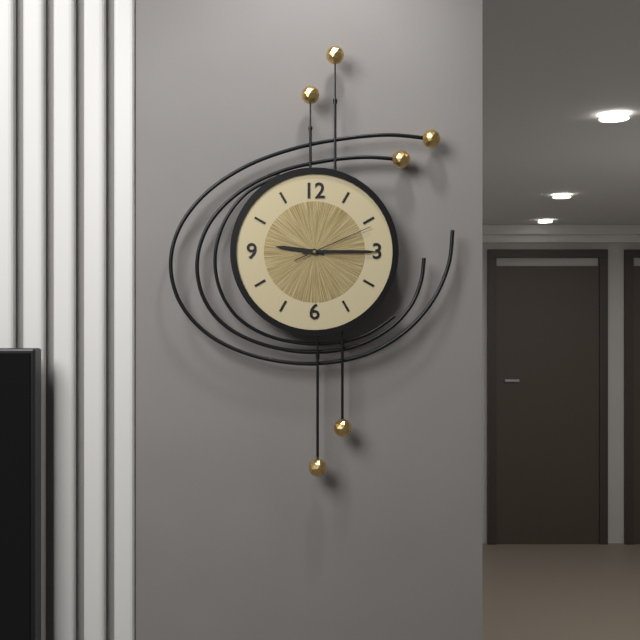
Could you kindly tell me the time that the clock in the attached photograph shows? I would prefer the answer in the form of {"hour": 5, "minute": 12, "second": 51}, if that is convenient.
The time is {"hour": 9, "minute": 15, "second": 11}
